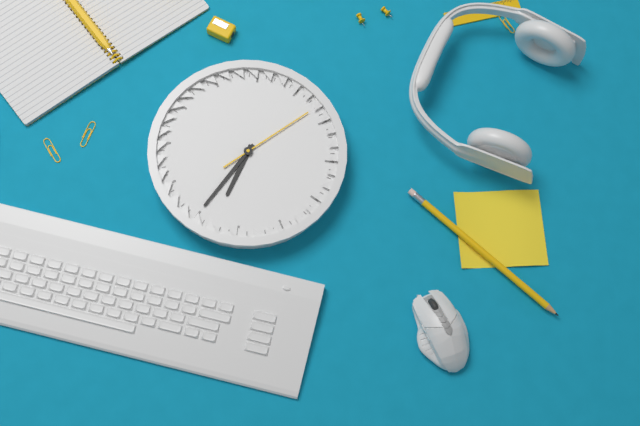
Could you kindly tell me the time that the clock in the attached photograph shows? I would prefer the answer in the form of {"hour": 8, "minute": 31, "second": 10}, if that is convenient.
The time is {"hour": 6, "minute": 35, "second": 8}
